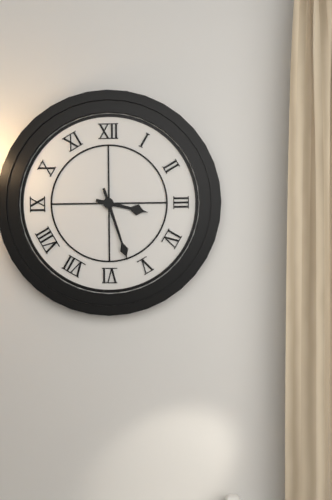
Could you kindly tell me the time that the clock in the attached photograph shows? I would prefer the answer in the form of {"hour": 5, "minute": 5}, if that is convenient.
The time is {"hour": 3, "minute": 27}
